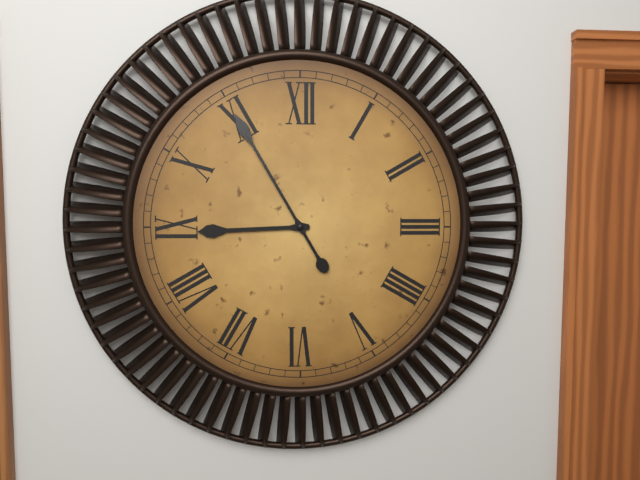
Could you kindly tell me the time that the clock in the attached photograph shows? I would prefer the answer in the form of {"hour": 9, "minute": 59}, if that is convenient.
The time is {"hour": 8, "minute": 55}
